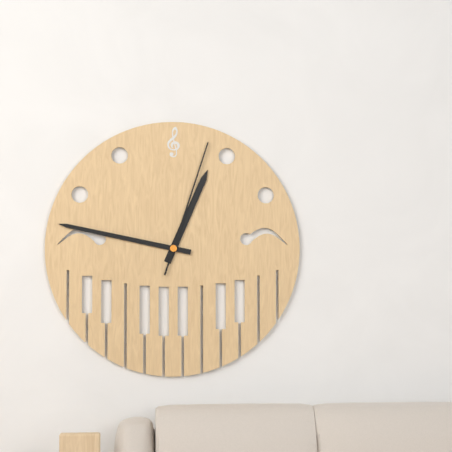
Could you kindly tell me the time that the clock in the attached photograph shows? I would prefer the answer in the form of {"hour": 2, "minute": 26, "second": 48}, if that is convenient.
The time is {"hour": 12, "minute": 47, "second": 3}
